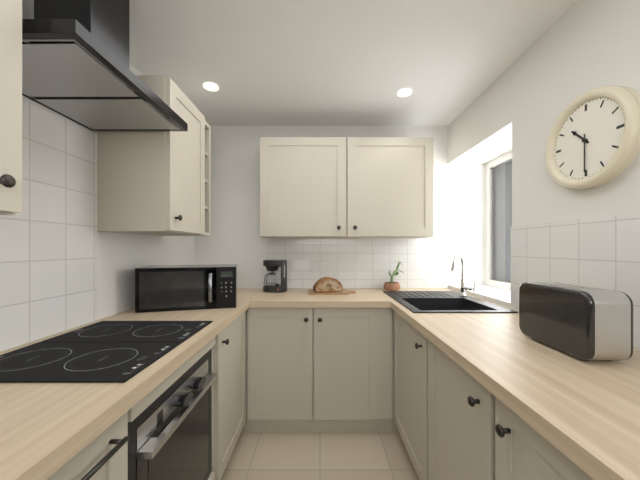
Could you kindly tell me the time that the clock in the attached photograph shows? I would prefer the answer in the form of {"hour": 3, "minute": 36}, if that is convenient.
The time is {"hour": 10, "minute": 30}
